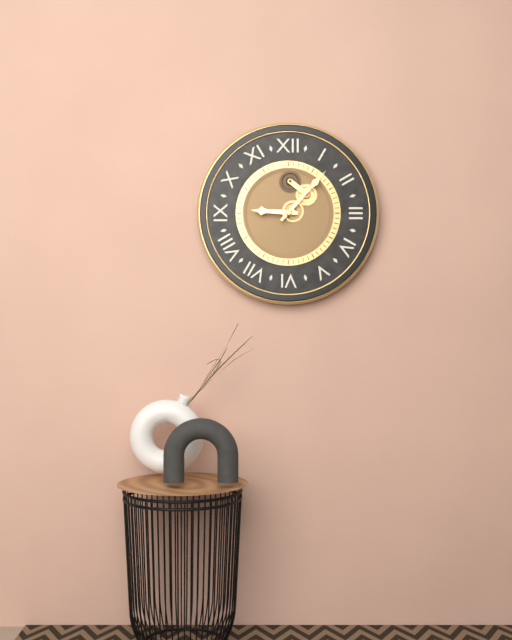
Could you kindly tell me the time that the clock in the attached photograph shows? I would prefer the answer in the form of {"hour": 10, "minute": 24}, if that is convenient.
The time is {"hour": 9, "minute": 7}
